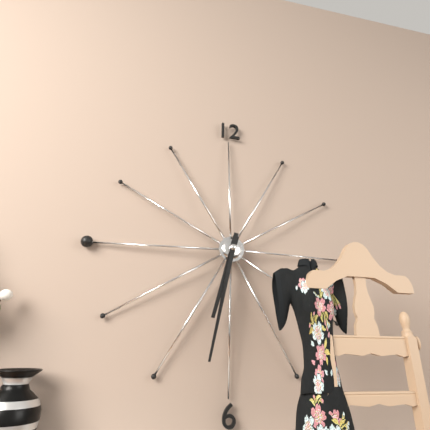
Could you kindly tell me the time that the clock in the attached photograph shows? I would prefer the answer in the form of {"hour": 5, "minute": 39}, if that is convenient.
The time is {"hour": 6, "minute": 32}
